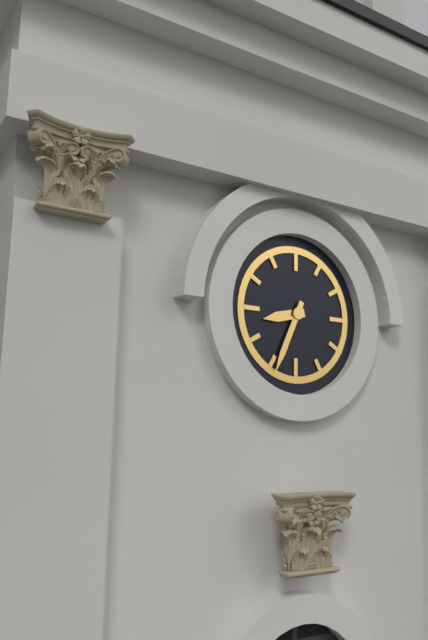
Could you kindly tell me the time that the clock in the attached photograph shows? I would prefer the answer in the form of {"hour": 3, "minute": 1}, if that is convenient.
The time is {"hour": 8, "minute": 34}
